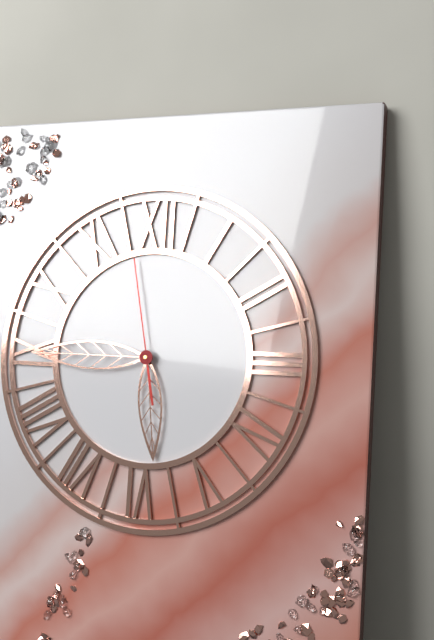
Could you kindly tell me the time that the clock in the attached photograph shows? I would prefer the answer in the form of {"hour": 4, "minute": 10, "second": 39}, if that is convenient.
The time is {"hour": 5, "minute": 45, "second": 58}
